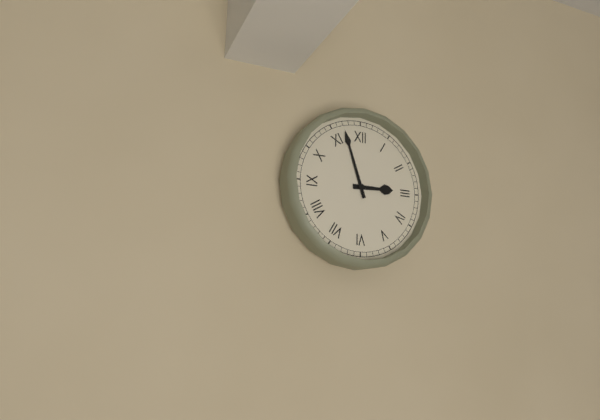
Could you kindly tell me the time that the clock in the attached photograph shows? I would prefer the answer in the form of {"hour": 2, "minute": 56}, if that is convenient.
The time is {"hour": 2, "minute": 57}
